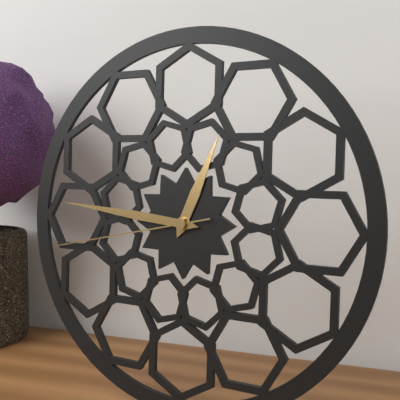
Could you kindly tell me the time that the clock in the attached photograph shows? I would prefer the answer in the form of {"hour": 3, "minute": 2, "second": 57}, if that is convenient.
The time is {"hour": 12, "minute": 46, "second": 43}
